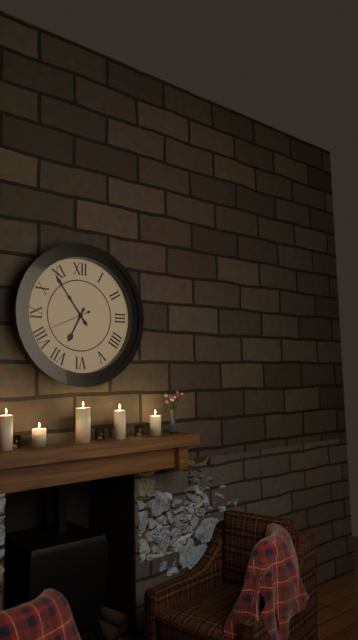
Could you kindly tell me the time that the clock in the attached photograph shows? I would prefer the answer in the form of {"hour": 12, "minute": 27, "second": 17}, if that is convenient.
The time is {"hour": 6, "minute": 54, "second": 41}
